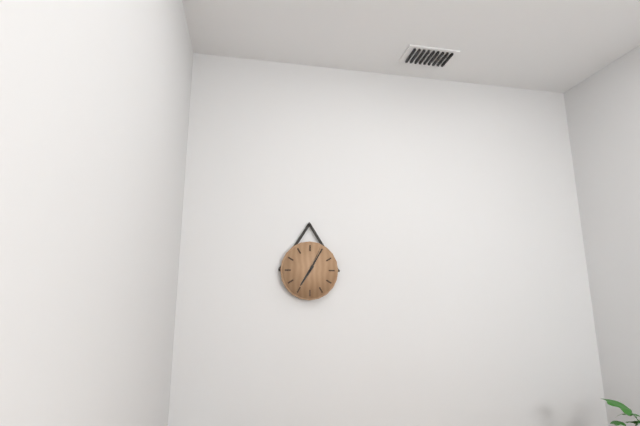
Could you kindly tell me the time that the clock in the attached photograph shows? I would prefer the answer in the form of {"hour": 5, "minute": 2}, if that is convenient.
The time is {"hour": 7, "minute": 5}
